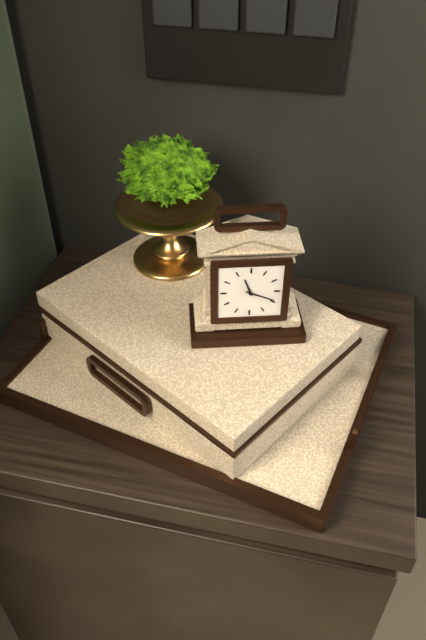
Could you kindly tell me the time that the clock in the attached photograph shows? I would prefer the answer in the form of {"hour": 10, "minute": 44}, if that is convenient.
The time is {"hour": 11, "minute": 19}
